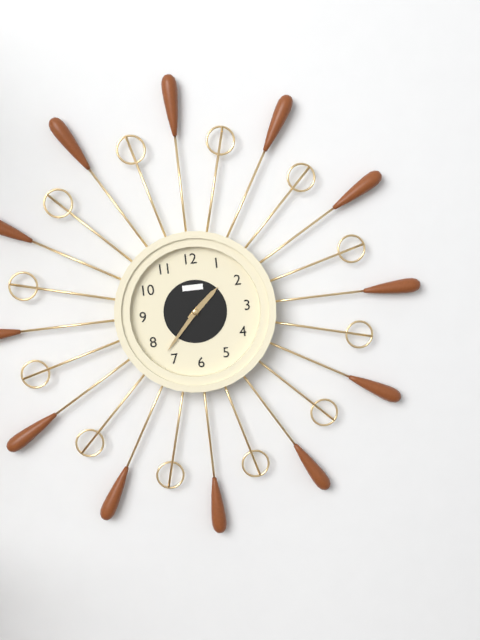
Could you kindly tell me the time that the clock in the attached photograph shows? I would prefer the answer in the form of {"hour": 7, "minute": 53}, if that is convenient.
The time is {"hour": 1, "minute": 37}
